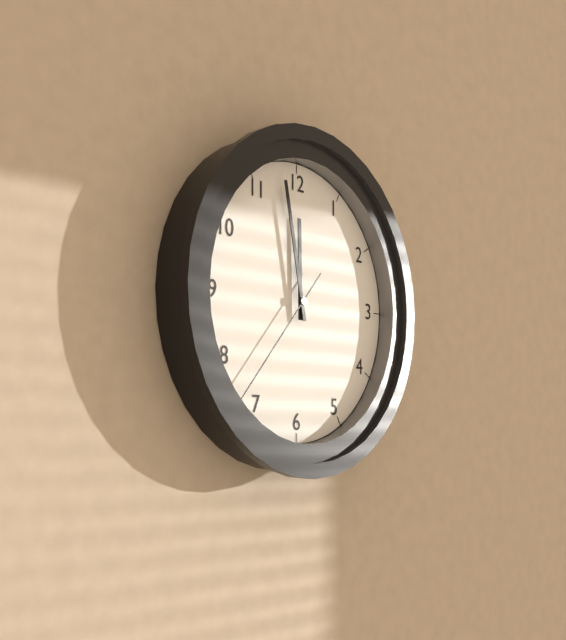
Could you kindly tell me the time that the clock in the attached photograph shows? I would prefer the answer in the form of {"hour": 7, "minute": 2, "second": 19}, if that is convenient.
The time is {"hour": 11, "minute": 58, "second": 37}
